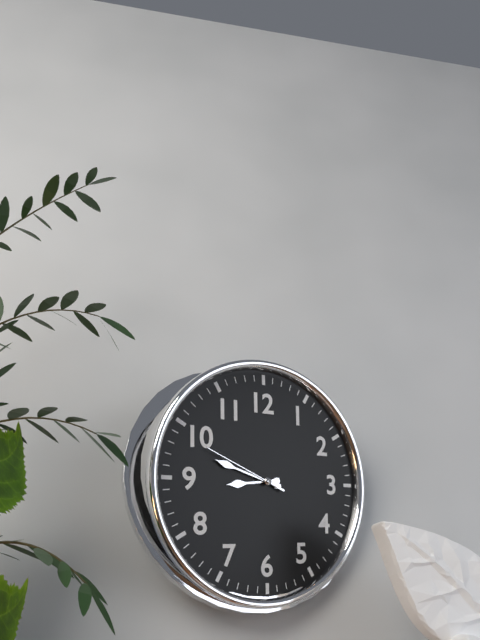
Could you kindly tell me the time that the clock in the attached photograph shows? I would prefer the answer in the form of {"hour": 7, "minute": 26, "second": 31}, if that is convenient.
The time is {"hour": 8, "minute": 48, "second": 49}
